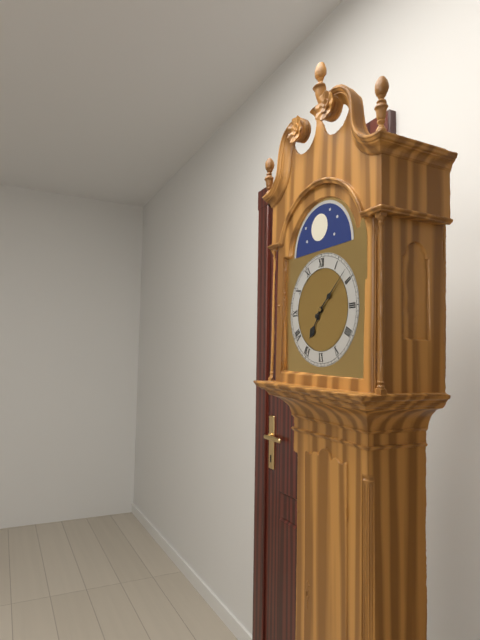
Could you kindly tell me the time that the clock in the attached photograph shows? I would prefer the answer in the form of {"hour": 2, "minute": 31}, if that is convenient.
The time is {"hour": 7, "minute": 8}
